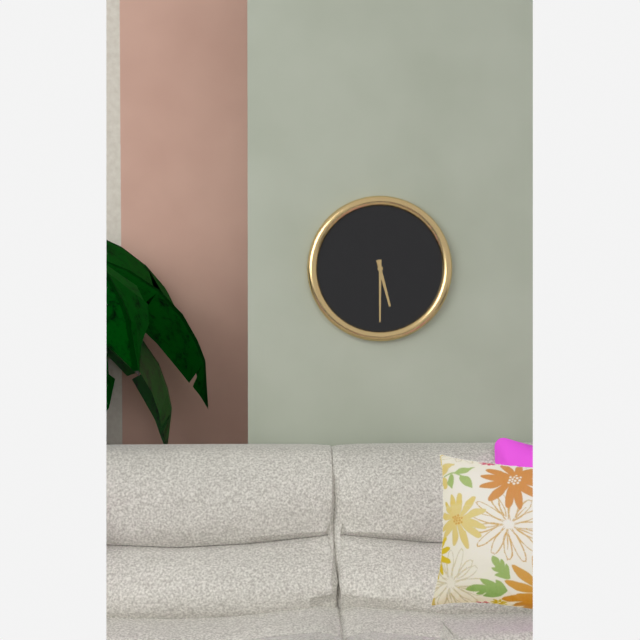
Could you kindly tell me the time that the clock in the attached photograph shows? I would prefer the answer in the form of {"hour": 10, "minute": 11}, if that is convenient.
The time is {"hour": 5, "minute": 30}
